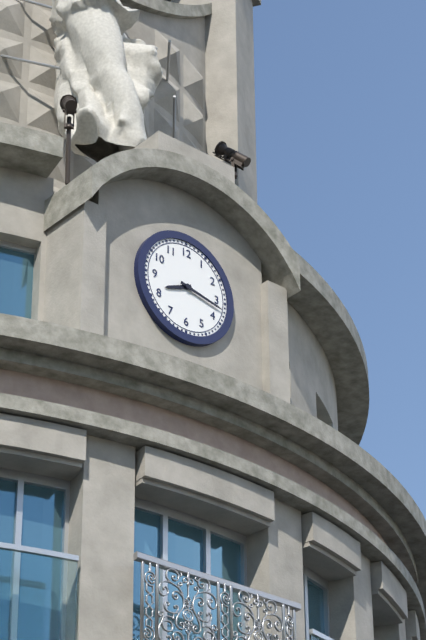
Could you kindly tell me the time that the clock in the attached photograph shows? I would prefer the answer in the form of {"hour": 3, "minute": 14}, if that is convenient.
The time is {"hour": 8, "minute": 17}
